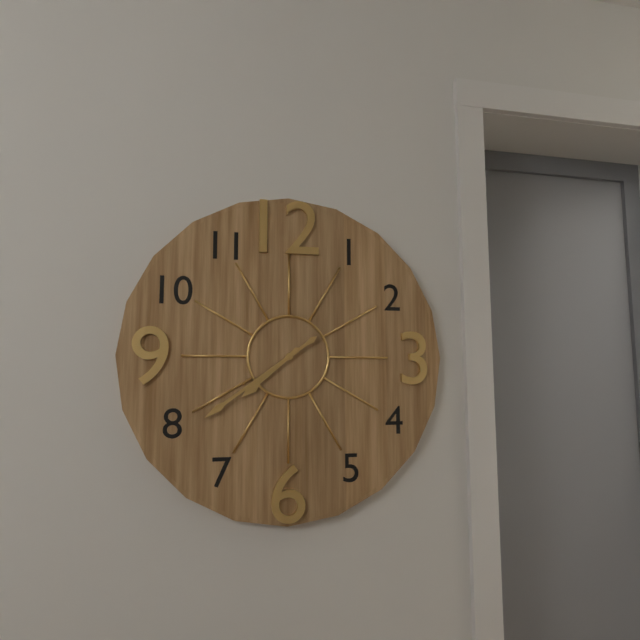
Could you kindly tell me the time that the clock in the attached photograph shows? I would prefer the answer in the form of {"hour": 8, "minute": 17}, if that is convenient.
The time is {"hour": 7, "minute": 39}
